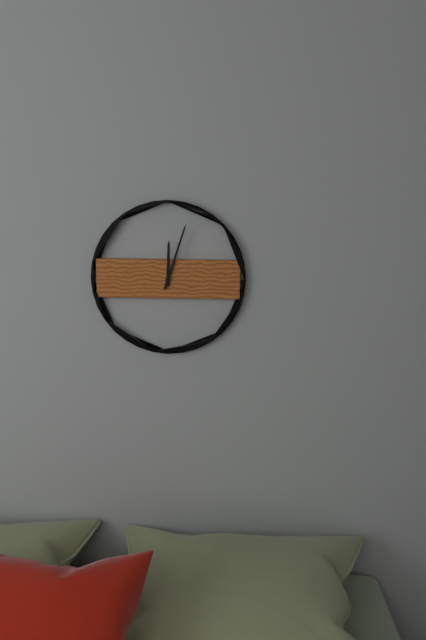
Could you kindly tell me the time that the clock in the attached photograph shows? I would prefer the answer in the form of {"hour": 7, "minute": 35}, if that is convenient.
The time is {"hour": 12, "minute": 3}
